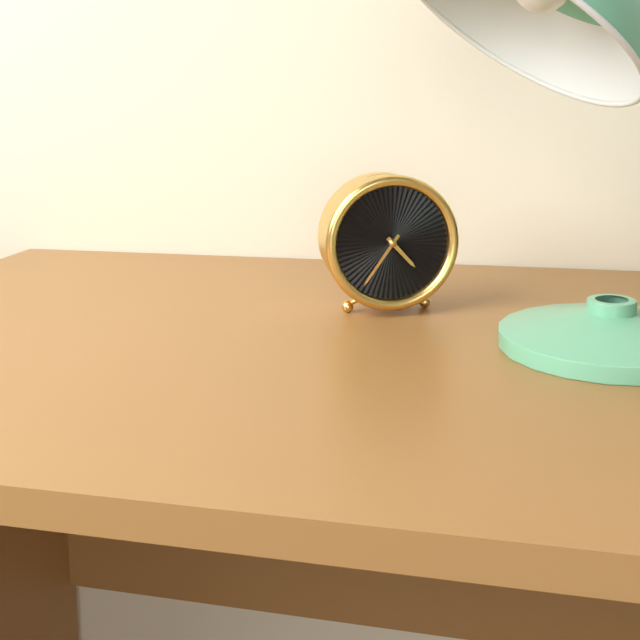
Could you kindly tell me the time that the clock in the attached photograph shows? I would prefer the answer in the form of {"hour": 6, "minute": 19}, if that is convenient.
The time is {"hour": 4, "minute": 36}
